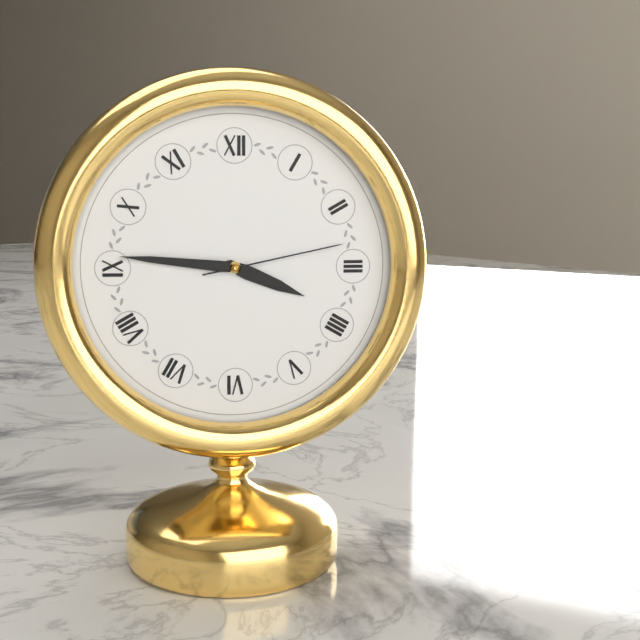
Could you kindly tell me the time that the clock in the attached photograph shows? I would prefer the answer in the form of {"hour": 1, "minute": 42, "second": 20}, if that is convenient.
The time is {"hour": 3, "minute": 46, "second": 13}
